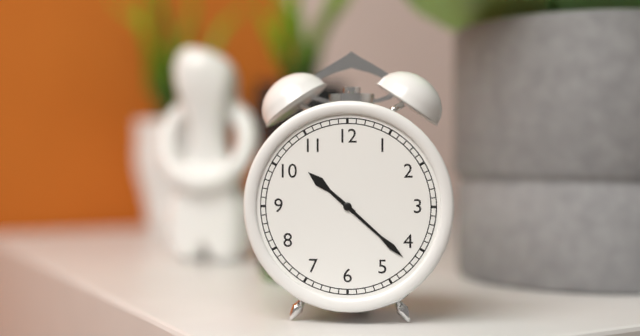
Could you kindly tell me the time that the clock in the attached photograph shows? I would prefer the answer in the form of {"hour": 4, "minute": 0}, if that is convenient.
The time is {"hour": 10, "minute": 22}
